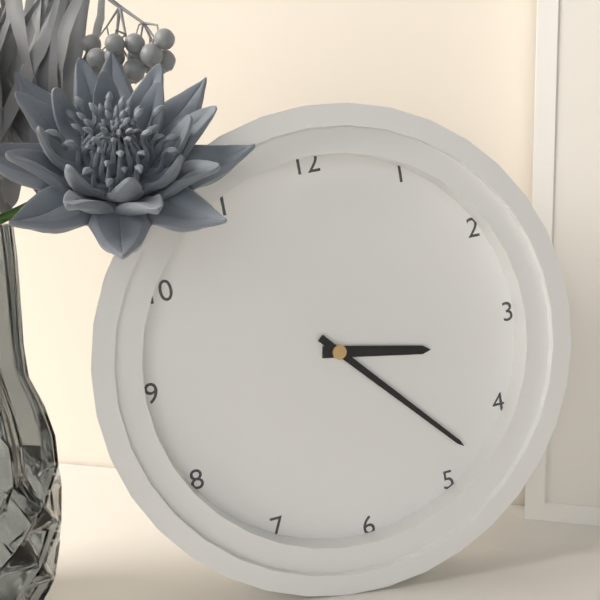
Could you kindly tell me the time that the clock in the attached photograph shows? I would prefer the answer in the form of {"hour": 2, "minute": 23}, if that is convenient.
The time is {"hour": 3, "minute": 23}
